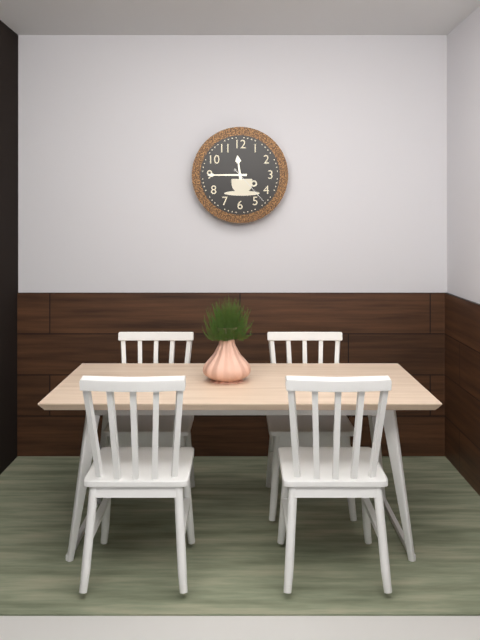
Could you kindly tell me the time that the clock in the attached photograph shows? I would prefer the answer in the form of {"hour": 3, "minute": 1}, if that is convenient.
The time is {"hour": 11, "minute": 45}
